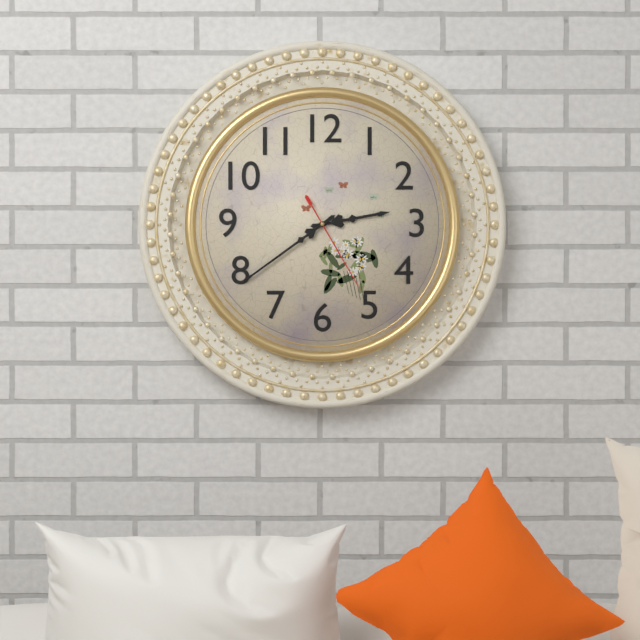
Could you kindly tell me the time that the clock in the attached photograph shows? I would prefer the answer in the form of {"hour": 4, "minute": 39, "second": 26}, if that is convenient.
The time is {"hour": 2, "minute": 39, "second": 25}
